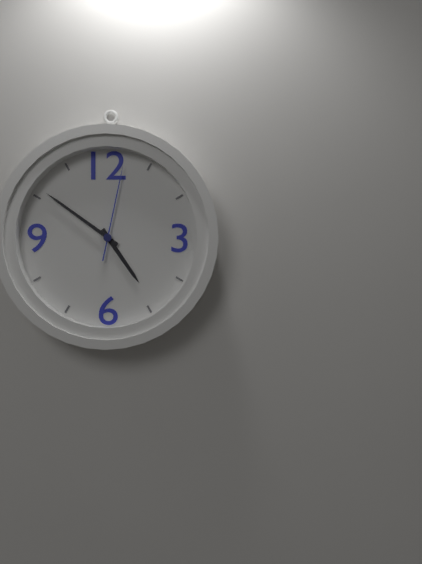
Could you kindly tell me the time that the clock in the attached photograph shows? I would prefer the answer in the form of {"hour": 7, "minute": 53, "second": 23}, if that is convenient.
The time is {"hour": 4, "minute": 51, "second": 2}
